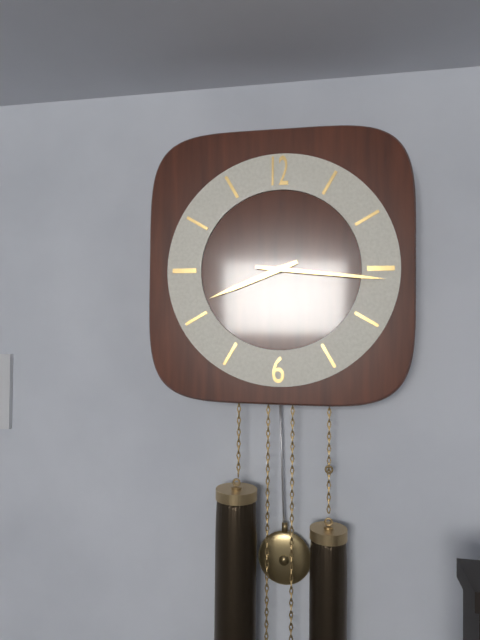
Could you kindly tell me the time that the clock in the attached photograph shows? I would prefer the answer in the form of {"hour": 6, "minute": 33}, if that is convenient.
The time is {"hour": 8, "minute": 16}
